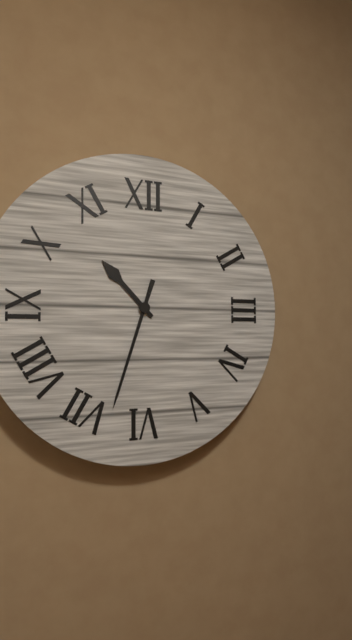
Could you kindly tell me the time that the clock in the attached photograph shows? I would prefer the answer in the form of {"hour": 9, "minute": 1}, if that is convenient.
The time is {"hour": 10, "minute": 33}
